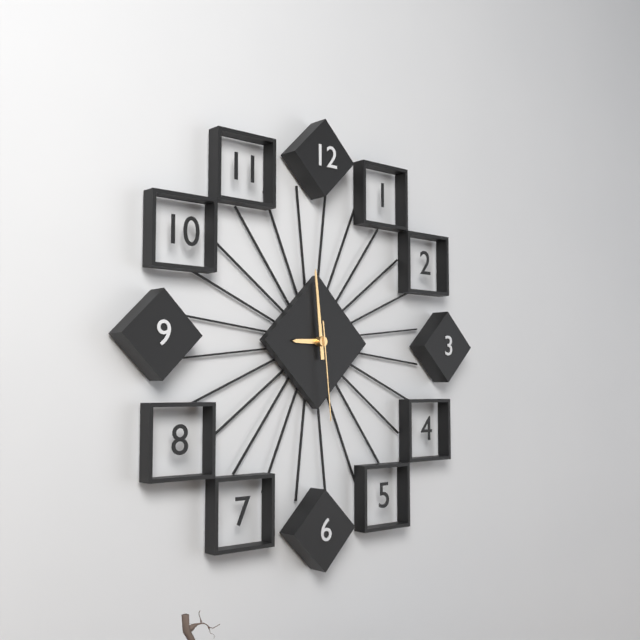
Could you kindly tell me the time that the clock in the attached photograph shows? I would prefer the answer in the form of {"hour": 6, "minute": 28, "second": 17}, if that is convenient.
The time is {"hour": 8, "minute": 59, "second": 29}
